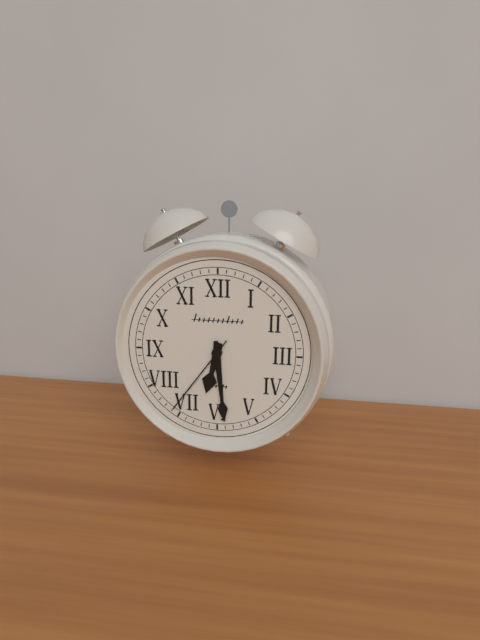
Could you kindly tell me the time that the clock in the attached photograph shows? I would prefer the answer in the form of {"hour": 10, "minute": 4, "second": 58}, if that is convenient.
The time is {"hour": 6, "minute": 29, "second": 36}
